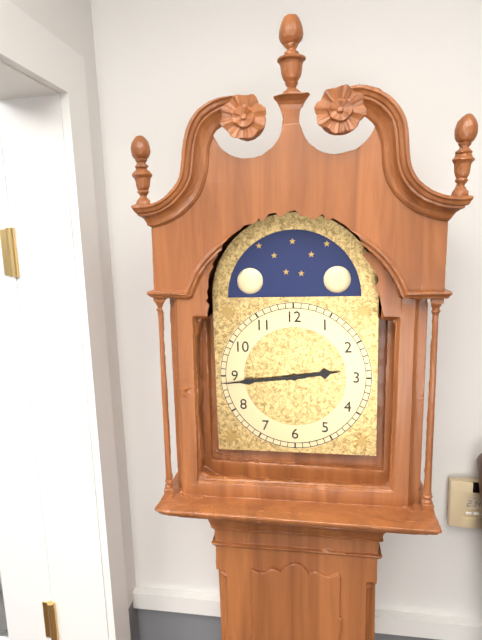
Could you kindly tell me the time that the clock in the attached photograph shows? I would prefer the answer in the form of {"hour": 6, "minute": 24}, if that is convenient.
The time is {"hour": 2, "minute": 44}
